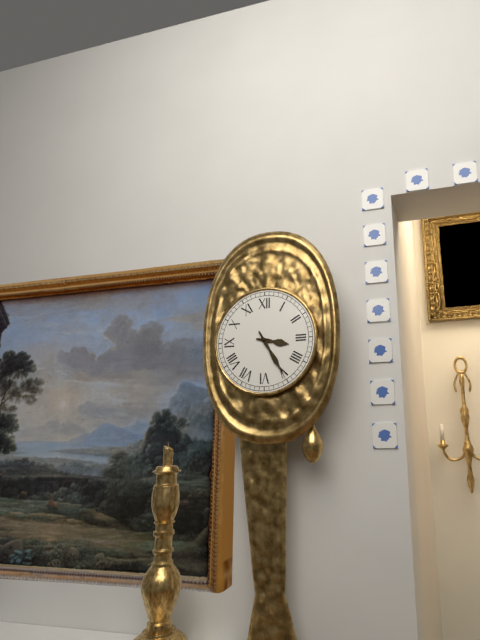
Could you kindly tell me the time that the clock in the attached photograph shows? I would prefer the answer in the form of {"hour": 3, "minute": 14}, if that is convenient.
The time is {"hour": 3, "minute": 25}
